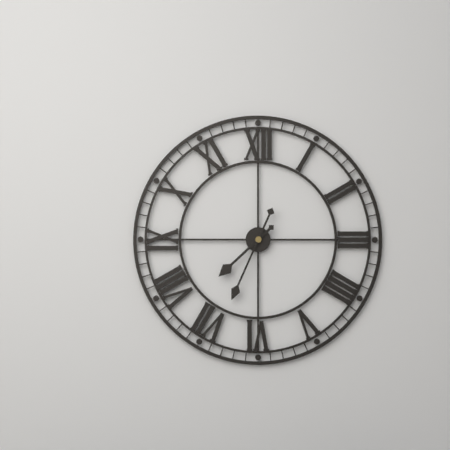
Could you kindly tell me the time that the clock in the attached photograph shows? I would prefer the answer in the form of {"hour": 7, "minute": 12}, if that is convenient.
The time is {"hour": 7, "minute": 34}
